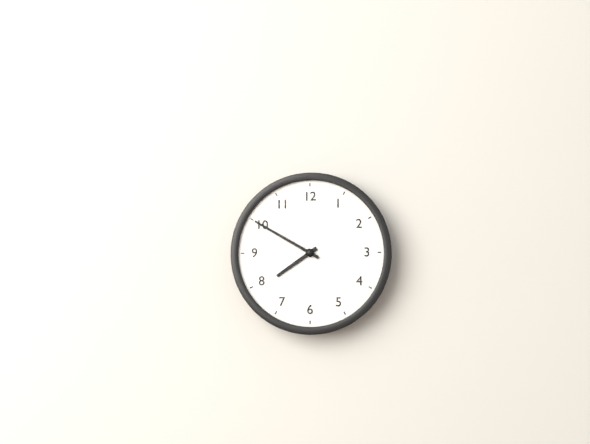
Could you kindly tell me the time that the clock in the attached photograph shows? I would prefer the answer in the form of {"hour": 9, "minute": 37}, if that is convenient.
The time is {"hour": 7, "minute": 50}
